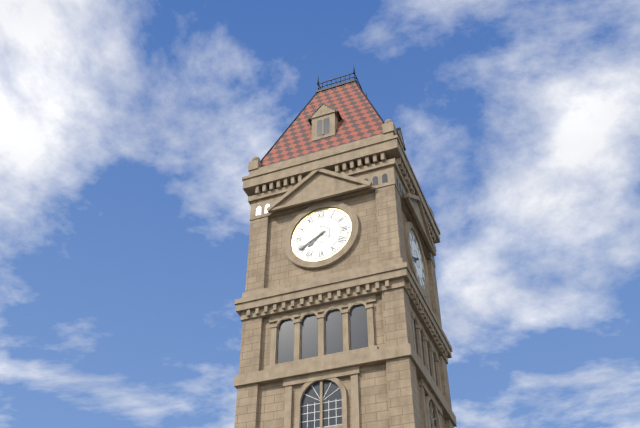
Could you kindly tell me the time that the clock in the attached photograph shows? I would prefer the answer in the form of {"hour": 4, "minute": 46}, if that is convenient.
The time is {"hour": 7, "minute": 40}
